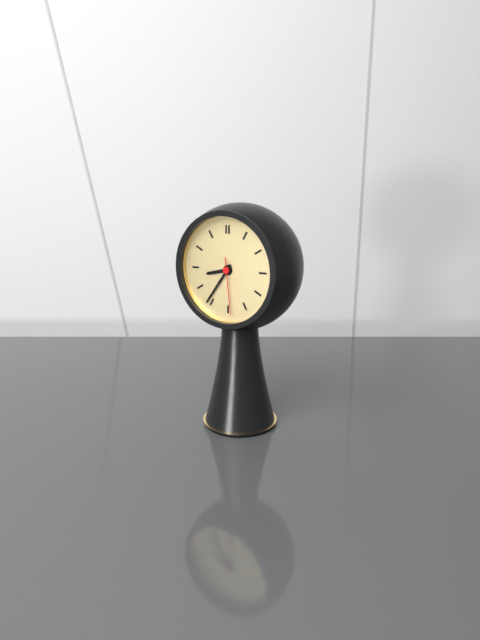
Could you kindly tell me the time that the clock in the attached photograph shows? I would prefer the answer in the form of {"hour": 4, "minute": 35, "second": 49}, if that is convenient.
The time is {"hour": 8, "minute": 36, "second": 29}
